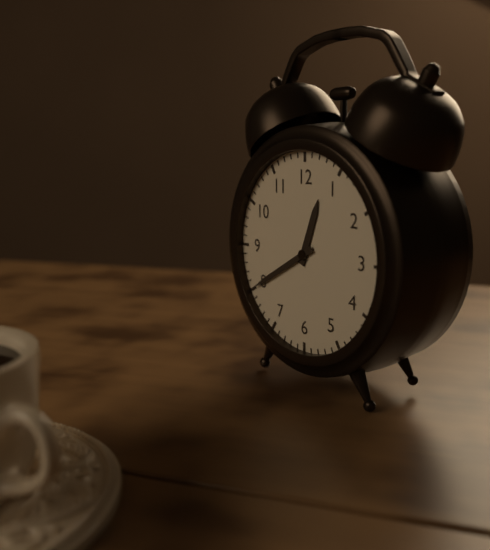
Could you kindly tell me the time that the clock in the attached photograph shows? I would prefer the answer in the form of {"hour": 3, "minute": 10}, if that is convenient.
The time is {"hour": 12, "minute": 40}
